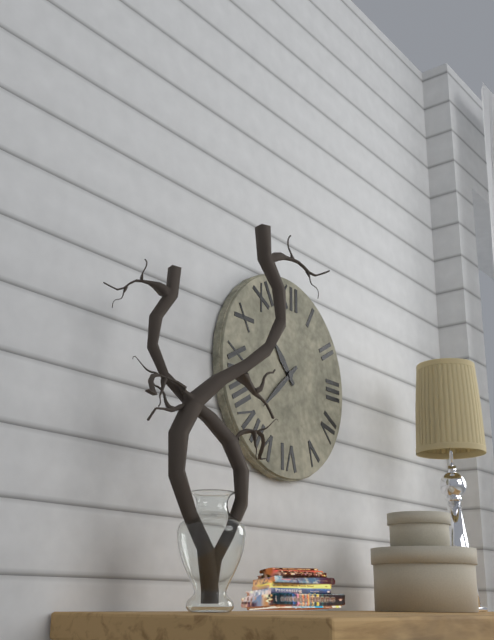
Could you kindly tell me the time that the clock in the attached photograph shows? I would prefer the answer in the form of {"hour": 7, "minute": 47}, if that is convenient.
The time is {"hour": 10, "minute": 38}
